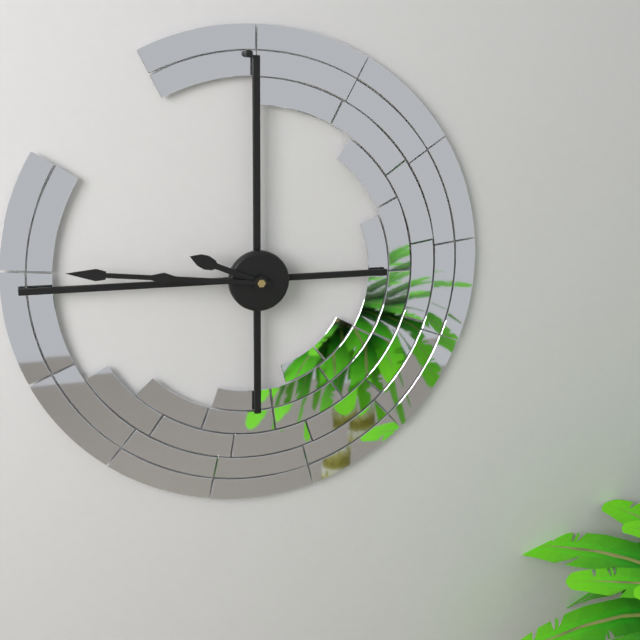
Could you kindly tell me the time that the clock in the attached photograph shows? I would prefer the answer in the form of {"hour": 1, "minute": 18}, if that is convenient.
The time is {"hour": 9, "minute": 46}
